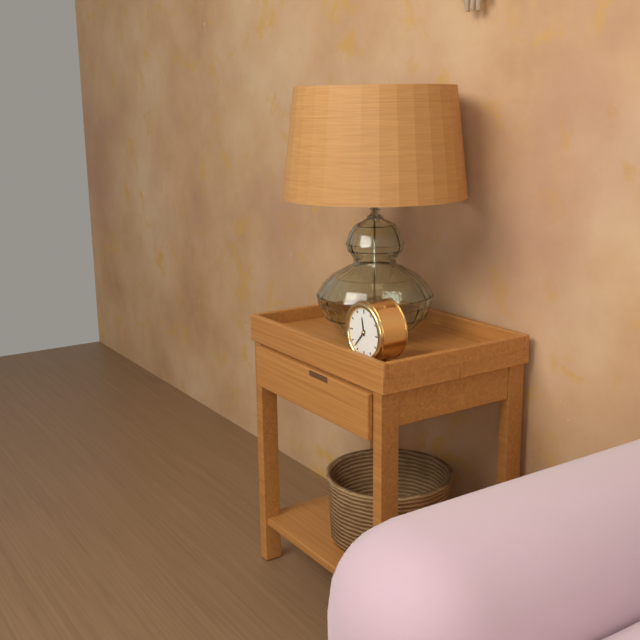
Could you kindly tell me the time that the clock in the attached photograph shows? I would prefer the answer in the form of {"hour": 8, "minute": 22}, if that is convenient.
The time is {"hour": 11, "minute": 37}
